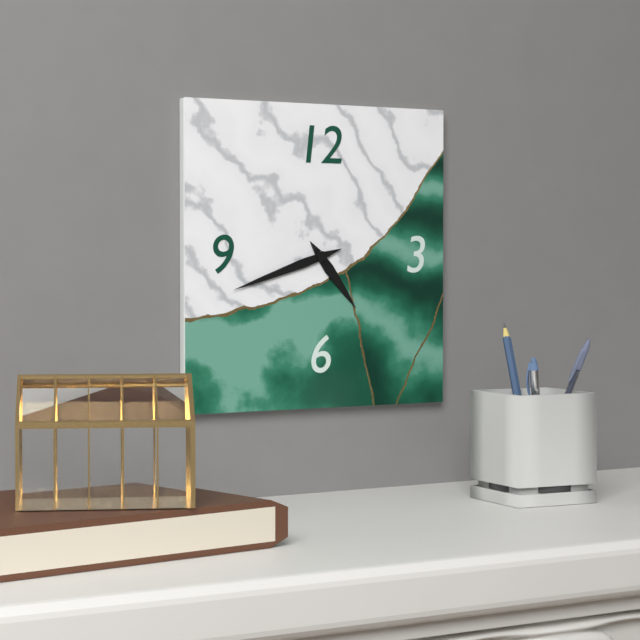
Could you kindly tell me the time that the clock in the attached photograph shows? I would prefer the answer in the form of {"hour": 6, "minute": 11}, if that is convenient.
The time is {"hour": 4, "minute": 42}
